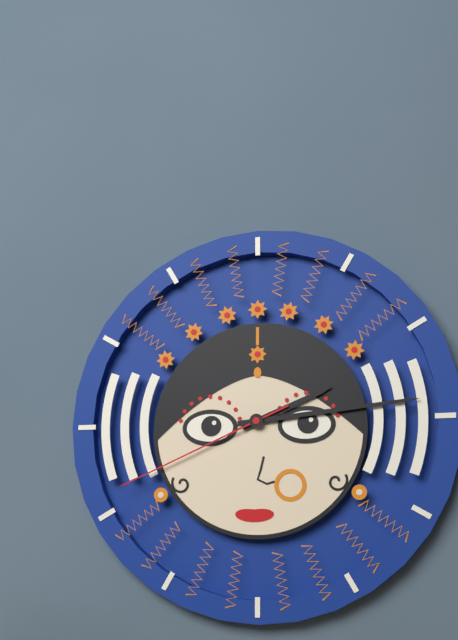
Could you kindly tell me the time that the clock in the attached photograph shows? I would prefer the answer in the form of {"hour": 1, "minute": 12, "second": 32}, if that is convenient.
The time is {"hour": 2, "minute": 14, "second": 41}
